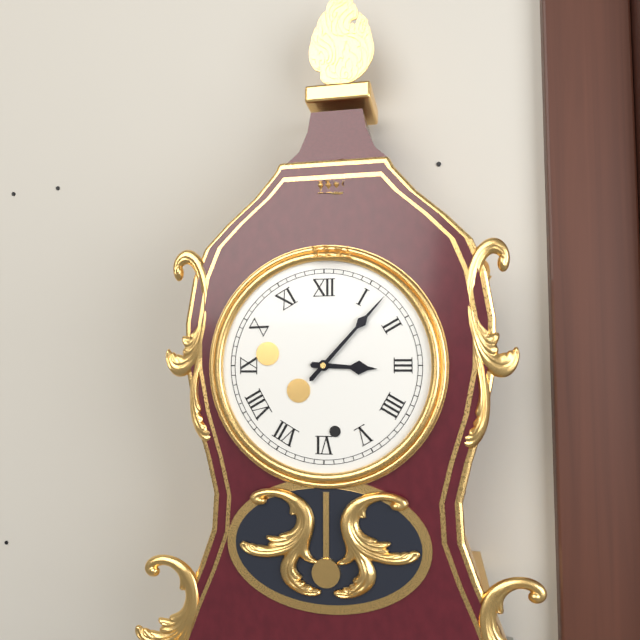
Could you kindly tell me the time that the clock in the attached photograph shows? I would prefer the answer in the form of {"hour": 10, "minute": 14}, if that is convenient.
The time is {"hour": 3, "minute": 7}
